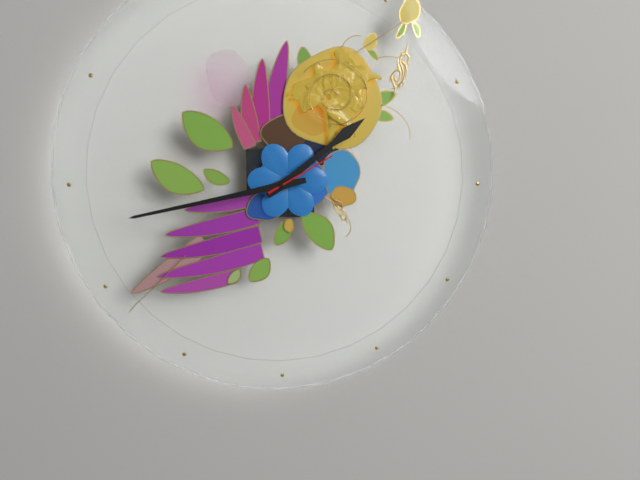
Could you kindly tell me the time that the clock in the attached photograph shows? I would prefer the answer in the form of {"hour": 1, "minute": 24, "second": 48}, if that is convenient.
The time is {"hour": 1, "minute": 43, "second": 10}
